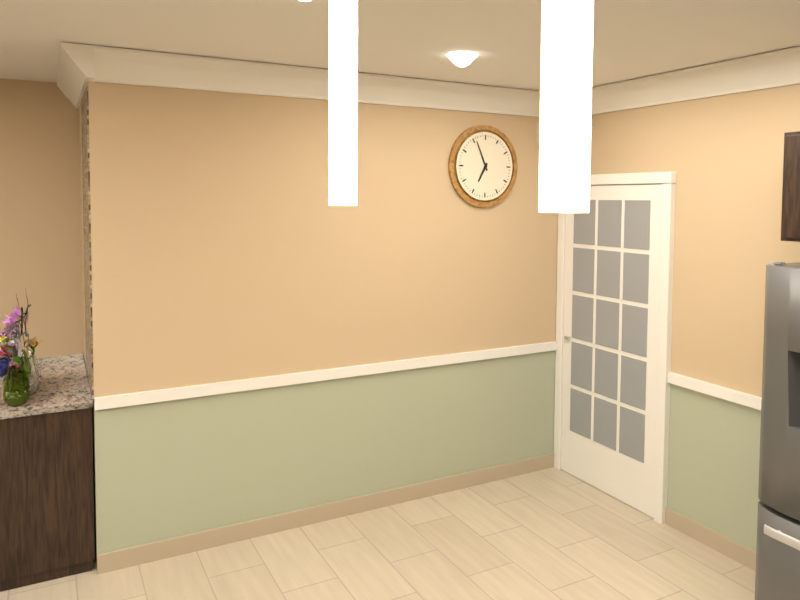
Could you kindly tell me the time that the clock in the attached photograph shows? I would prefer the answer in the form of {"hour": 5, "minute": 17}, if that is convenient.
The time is {"hour": 6, "minute": 56}
